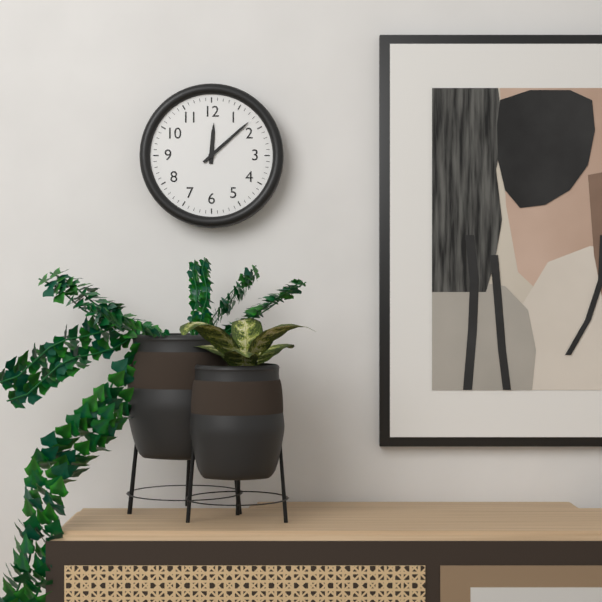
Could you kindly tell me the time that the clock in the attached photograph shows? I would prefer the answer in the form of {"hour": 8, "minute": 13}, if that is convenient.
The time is {"hour": 12, "minute": 8}
